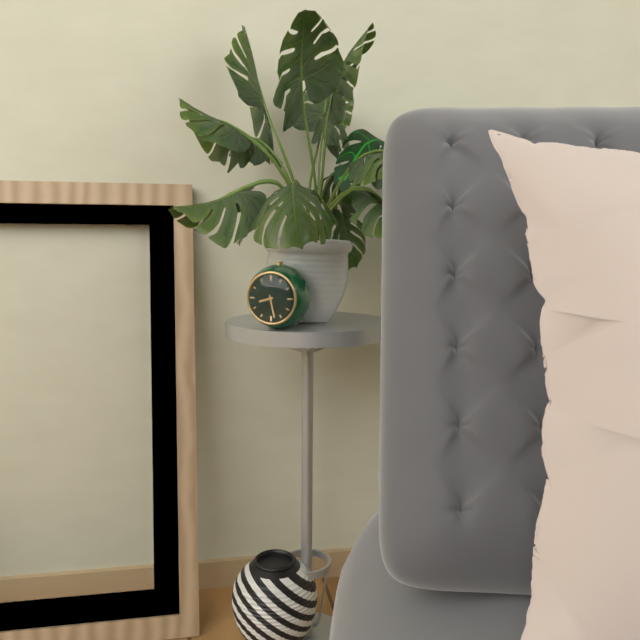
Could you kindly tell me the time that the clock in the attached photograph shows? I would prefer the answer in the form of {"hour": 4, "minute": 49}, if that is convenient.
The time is {"hour": 8, "minute": 28}
